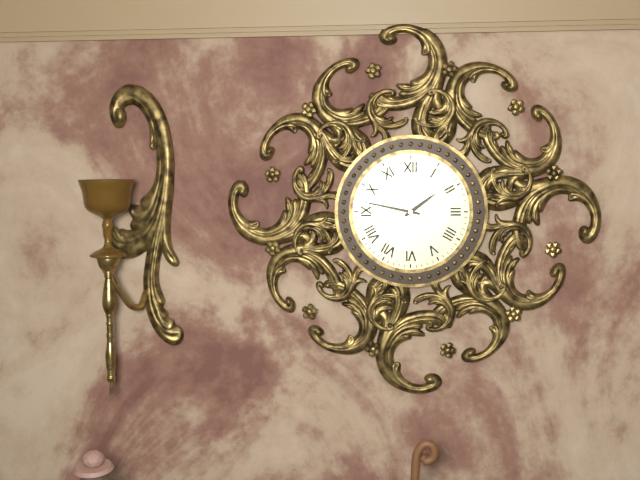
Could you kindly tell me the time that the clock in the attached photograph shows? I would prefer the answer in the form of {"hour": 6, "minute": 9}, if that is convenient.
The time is {"hour": 1, "minute": 47}
